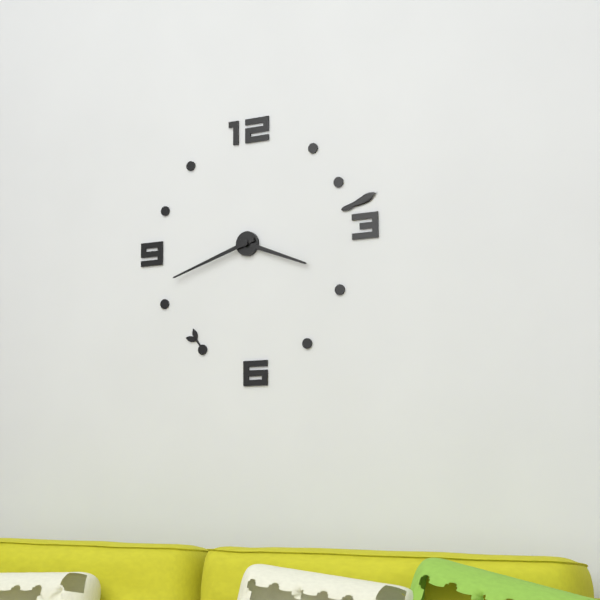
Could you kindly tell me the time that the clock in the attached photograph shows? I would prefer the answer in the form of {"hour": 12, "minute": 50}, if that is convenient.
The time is {"hour": 3, "minute": 42}
